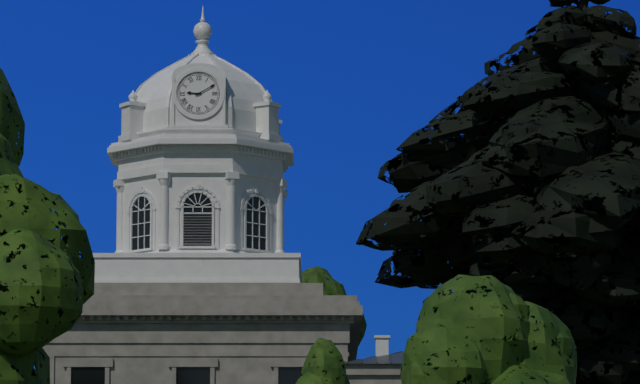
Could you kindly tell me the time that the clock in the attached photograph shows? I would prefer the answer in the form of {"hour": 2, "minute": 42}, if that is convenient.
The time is {"hour": 9, "minute": 10}
